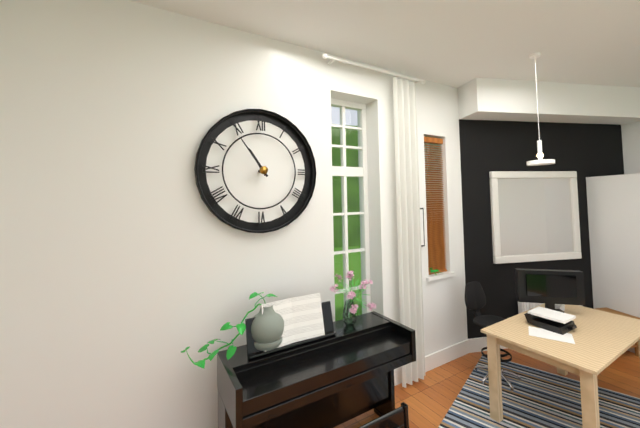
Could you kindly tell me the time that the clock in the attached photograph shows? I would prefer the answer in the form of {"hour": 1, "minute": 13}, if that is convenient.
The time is {"hour": 10, "minute": 54}
